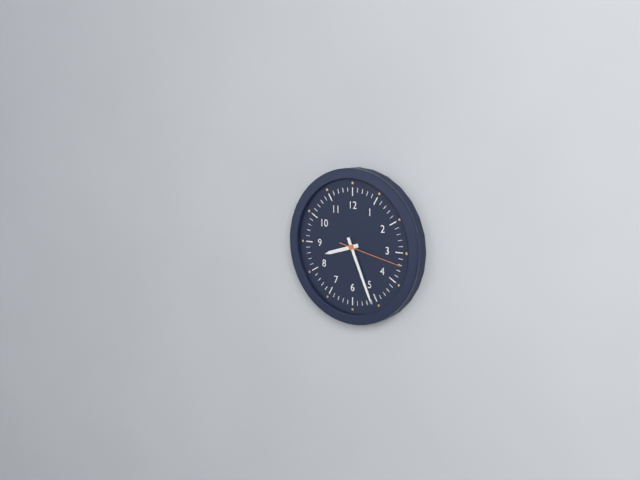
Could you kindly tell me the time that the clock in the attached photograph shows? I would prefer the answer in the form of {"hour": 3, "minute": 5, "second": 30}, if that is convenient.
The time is {"hour": 8, "minute": 26, "second": 17}
